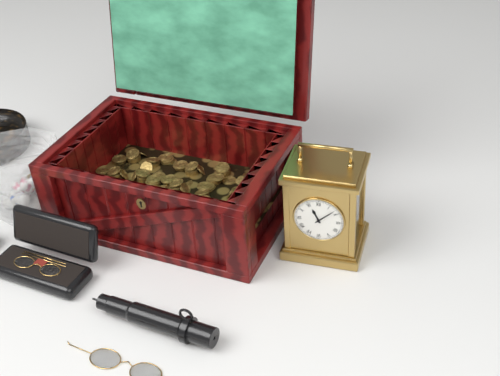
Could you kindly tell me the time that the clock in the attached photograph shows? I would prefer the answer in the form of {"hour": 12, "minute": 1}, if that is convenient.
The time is {"hour": 11, "minute": 8}
